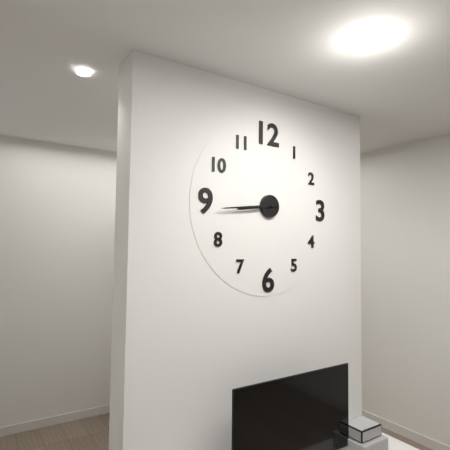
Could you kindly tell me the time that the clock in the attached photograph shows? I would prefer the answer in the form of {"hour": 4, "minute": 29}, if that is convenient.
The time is {"hour": 8, "minute": 44}
